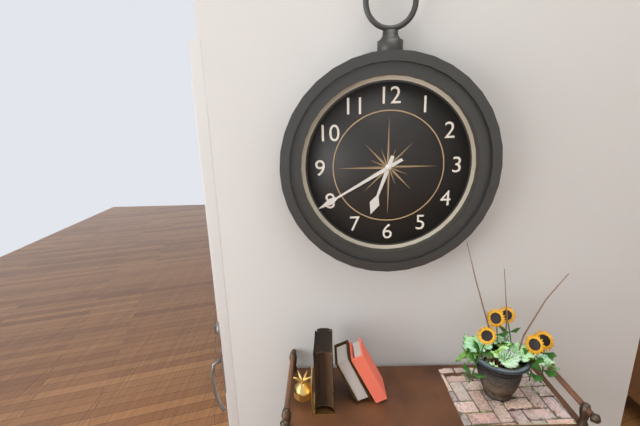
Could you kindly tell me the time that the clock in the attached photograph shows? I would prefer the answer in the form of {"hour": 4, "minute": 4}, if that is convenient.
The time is {"hour": 6, "minute": 40}
